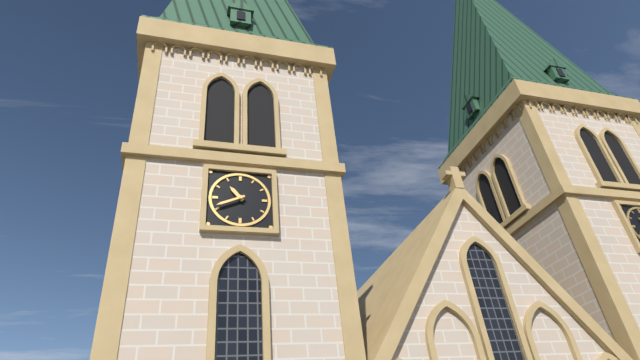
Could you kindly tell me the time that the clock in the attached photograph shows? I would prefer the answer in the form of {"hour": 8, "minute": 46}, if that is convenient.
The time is {"hour": 10, "minute": 41}
